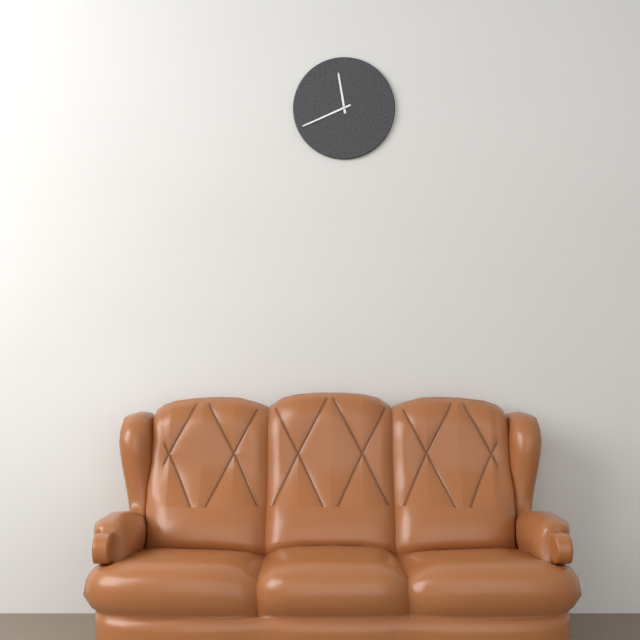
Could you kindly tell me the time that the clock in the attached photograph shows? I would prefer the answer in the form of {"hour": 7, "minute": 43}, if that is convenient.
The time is {"hour": 11, "minute": 41}
